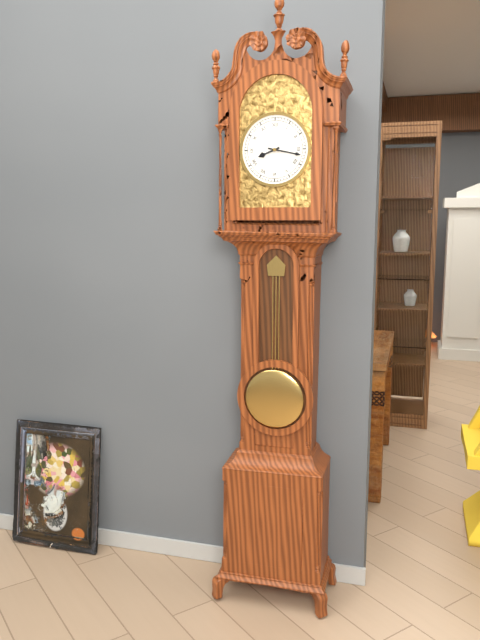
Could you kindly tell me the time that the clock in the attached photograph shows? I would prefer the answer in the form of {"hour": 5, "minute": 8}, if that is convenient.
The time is {"hour": 8, "minute": 17}
